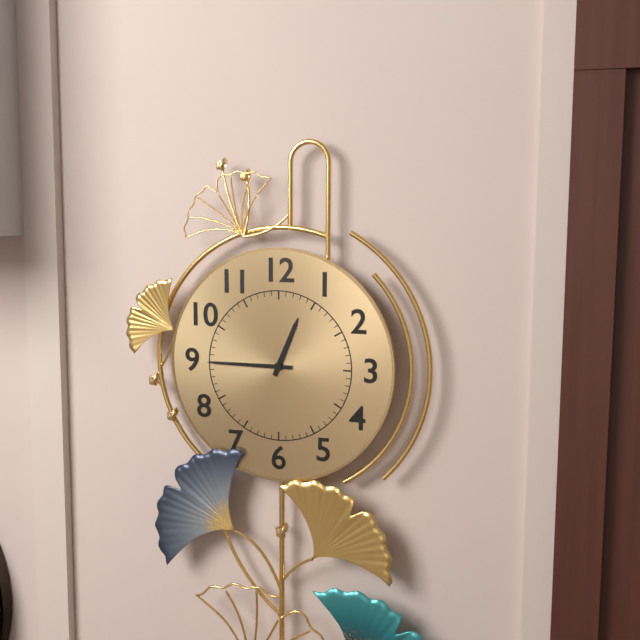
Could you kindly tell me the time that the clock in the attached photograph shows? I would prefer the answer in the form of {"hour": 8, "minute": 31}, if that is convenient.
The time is {"hour": 12, "minute": 45}
